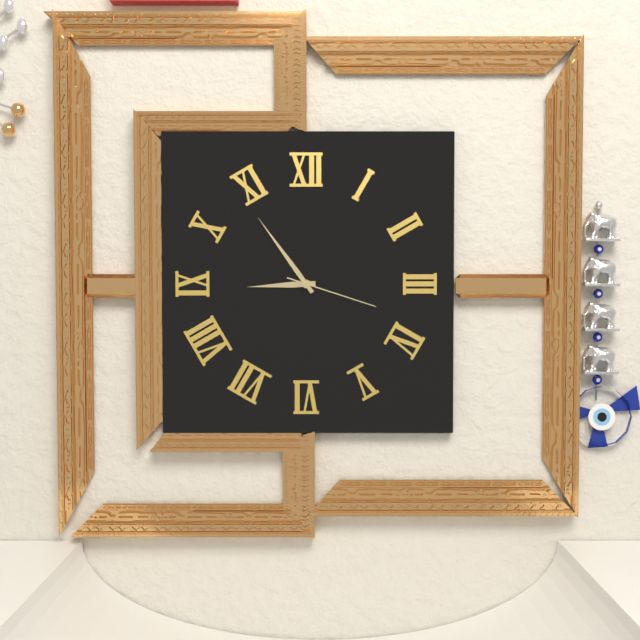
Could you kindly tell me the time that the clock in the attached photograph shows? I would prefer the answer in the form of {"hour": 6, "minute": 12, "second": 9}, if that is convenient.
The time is {"hour": 8, "minute": 54, "second": 18}
